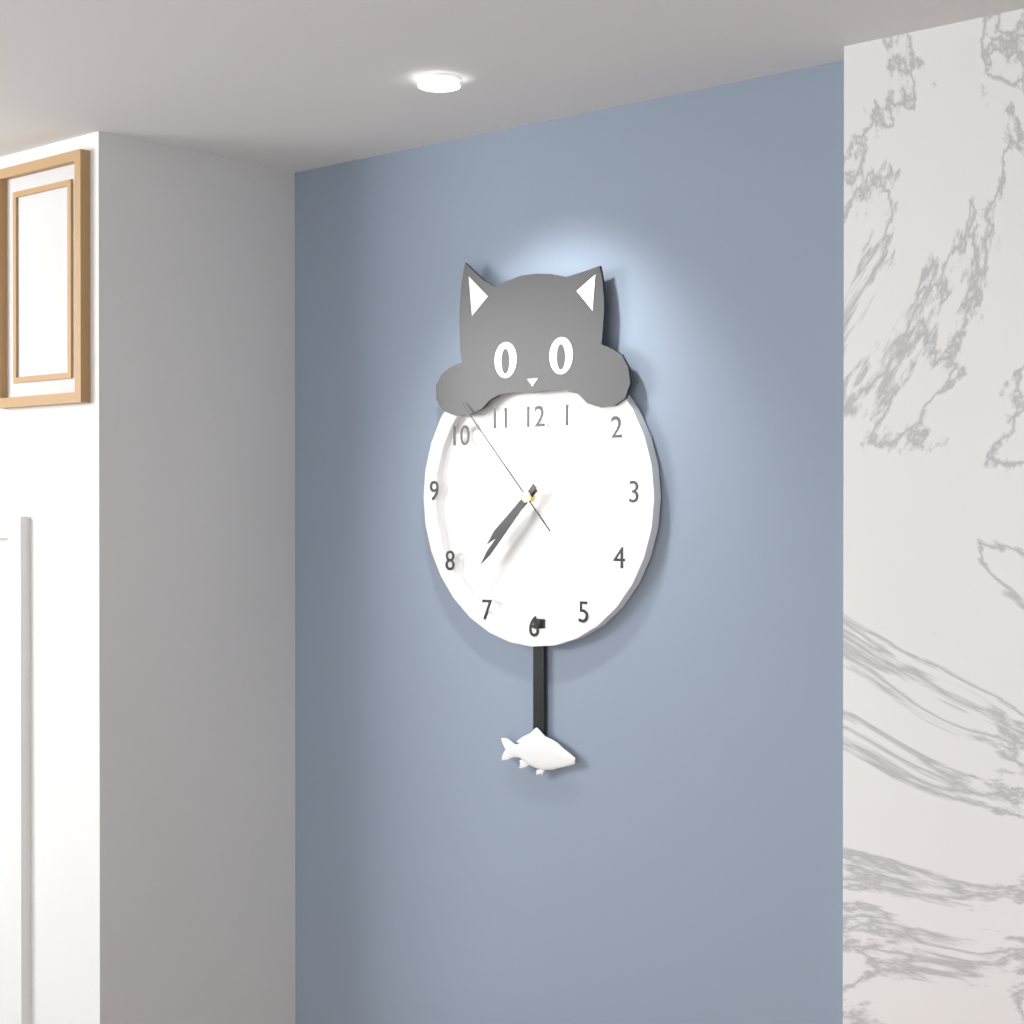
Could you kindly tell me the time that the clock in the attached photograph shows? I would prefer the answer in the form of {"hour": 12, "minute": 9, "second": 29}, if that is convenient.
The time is {"hour": 7, "minute": 37, "second": 53}
